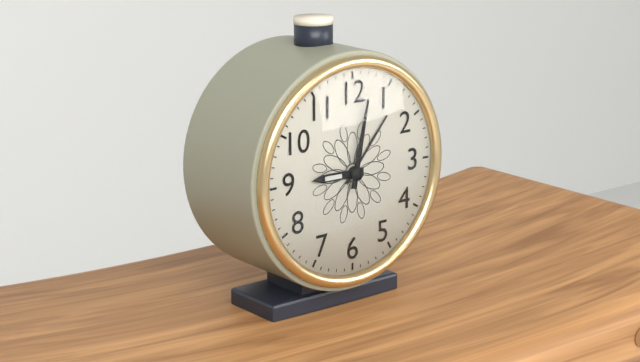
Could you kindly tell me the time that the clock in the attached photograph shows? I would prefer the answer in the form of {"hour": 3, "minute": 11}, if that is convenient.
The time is {"hour": 9, "minute": 2}
